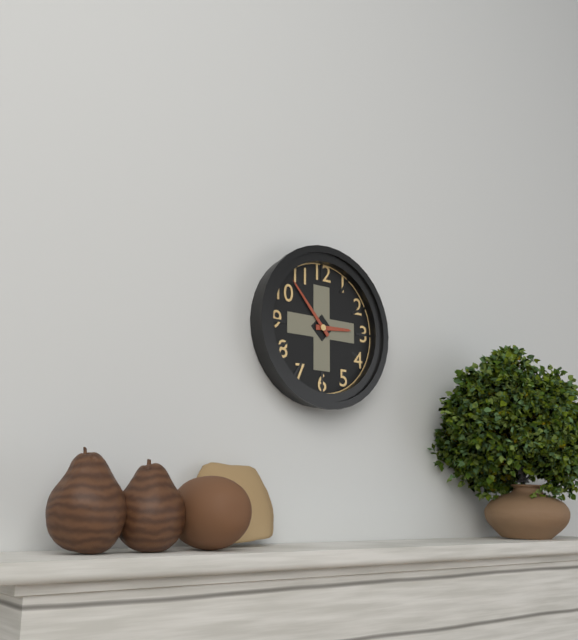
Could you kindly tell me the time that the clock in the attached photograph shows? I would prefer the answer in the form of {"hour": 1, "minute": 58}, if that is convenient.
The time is {"hour": 2, "minute": 53}
